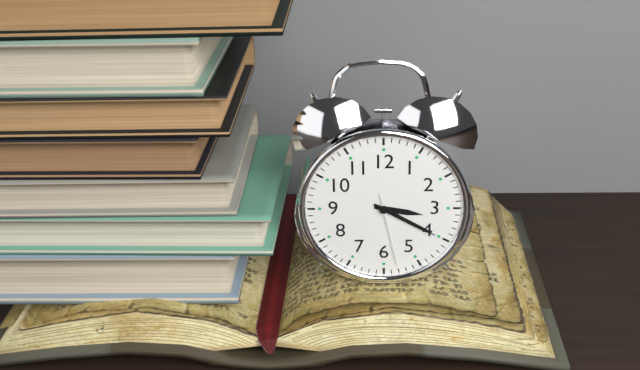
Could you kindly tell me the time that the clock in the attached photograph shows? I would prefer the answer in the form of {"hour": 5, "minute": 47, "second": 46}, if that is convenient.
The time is {"hour": 3, "minute": 20, "second": 28}
